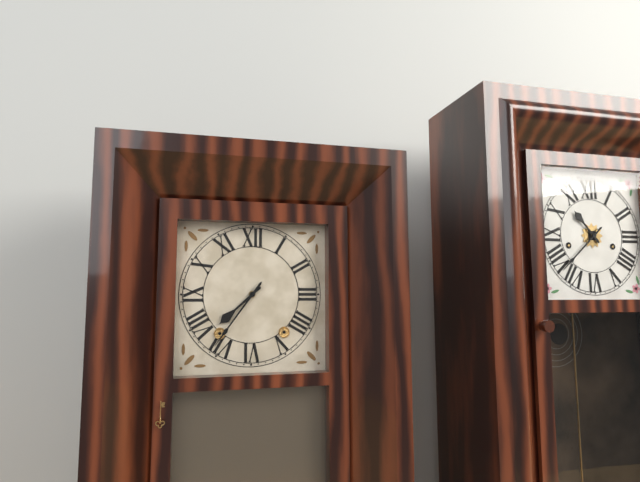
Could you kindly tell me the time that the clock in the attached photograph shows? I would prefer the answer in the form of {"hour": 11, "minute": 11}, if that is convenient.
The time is {"hour": 7, "minute": 36}
